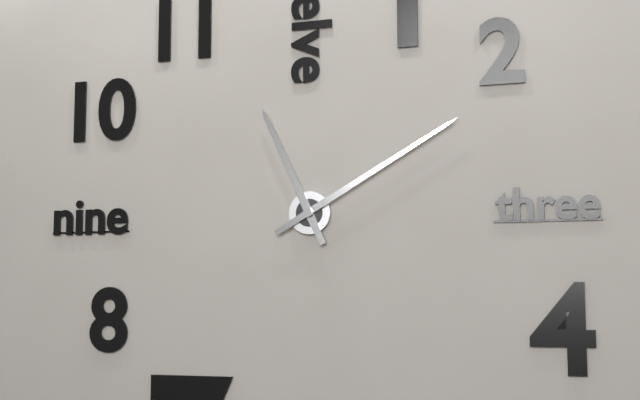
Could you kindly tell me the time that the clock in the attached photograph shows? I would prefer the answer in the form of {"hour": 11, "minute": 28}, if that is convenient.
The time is {"hour": 11, "minute": 10}
